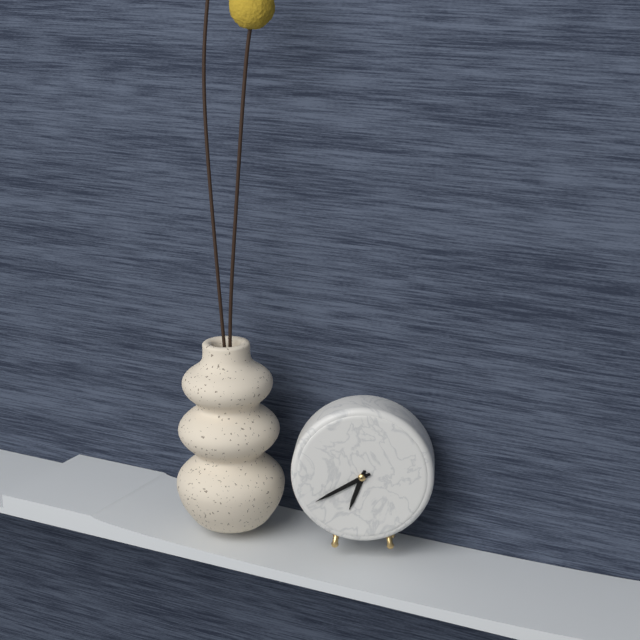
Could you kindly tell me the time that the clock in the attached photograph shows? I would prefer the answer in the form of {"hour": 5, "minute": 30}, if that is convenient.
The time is {"hour": 6, "minute": 40}
